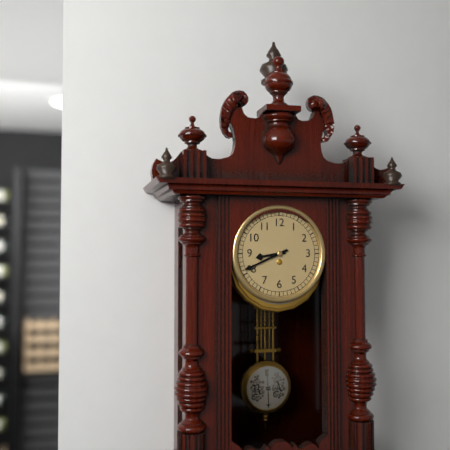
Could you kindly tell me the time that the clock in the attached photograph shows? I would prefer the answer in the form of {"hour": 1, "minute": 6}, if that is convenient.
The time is {"hour": 8, "minute": 41}
